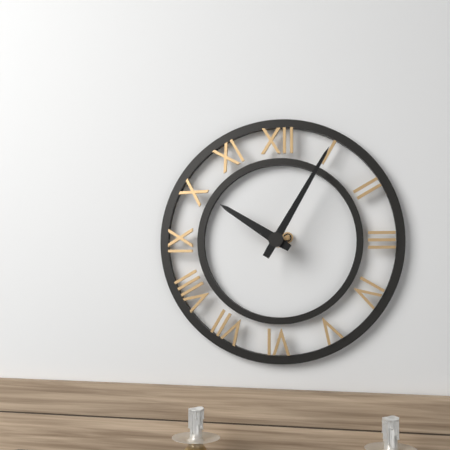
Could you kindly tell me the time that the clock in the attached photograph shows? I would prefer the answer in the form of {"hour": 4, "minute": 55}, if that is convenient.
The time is {"hour": 10, "minute": 5}
